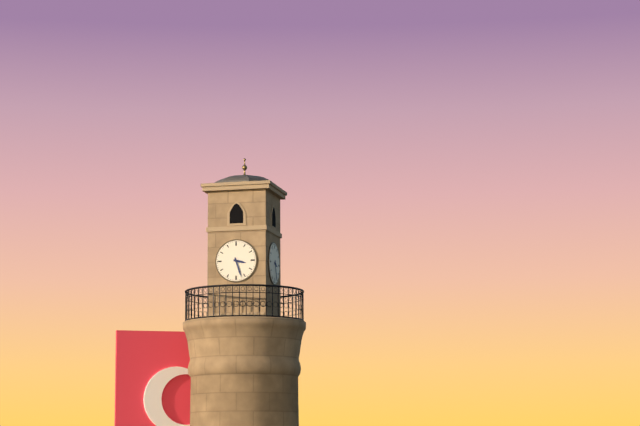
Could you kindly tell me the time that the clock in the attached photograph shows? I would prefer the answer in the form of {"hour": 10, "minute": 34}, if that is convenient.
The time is {"hour": 3, "minute": 27}
